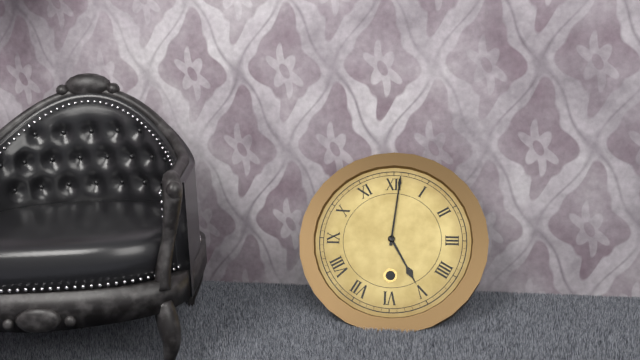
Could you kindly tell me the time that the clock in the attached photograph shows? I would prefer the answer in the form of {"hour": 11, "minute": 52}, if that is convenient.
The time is {"hour": 5, "minute": 1}
